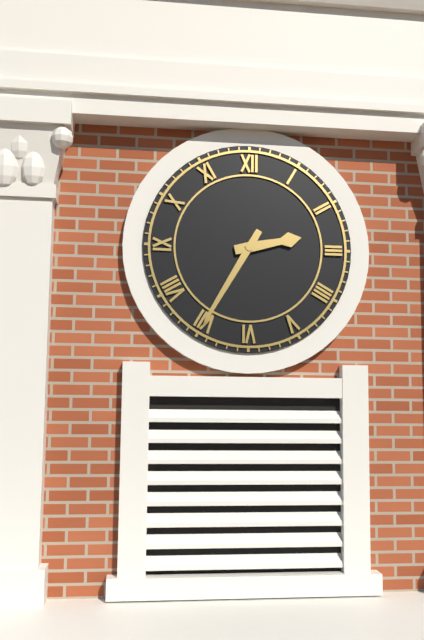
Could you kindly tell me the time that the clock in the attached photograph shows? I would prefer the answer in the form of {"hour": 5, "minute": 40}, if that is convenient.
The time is {"hour": 2, "minute": 35}
